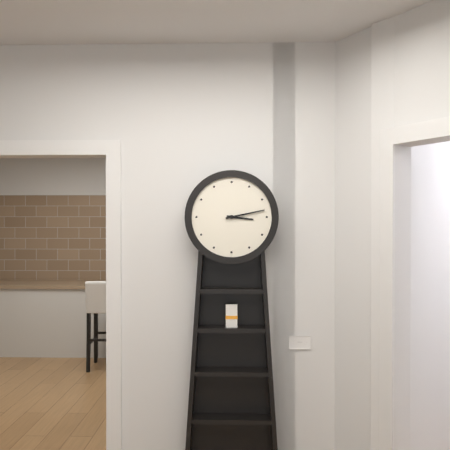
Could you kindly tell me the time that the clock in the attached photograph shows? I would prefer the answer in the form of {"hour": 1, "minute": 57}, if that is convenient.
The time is {"hour": 3, "minute": 13}
